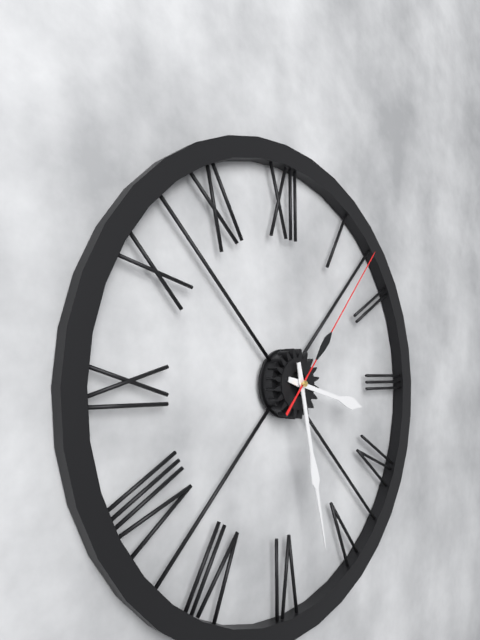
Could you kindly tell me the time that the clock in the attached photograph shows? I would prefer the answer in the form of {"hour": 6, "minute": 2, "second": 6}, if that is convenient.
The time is {"hour": 3, "minute": 28, "second": 7}
